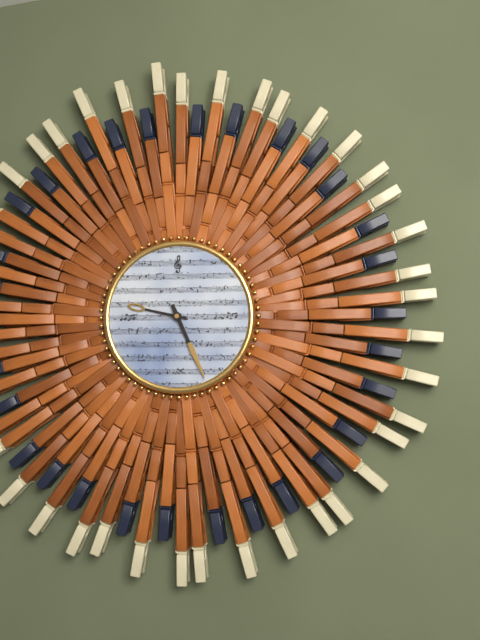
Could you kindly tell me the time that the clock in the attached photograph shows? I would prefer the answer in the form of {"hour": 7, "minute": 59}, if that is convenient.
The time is {"hour": 9, "minute": 26}
